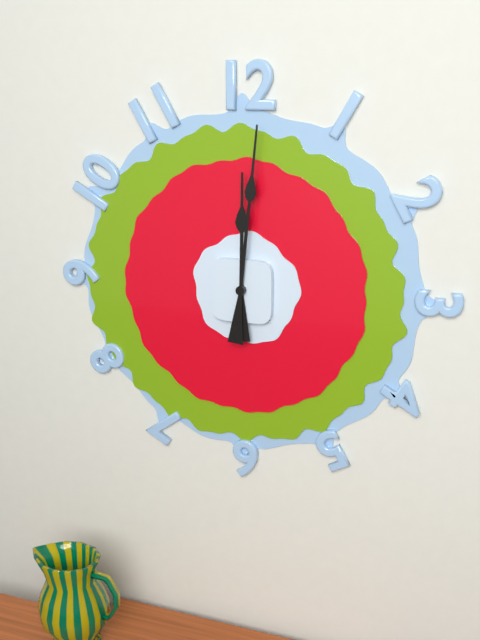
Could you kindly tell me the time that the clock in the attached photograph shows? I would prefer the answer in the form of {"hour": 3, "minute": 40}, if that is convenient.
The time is {"hour": 12, "minute": 1}
